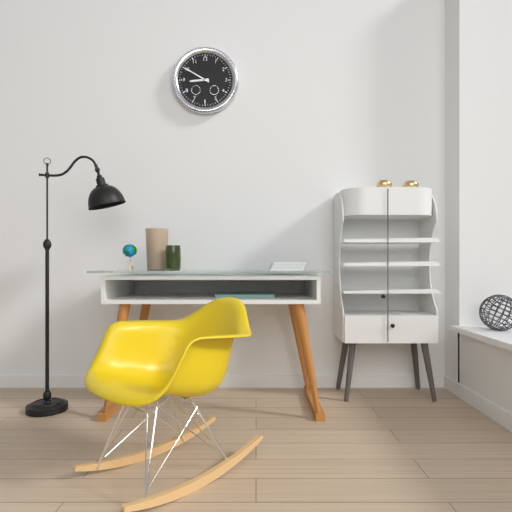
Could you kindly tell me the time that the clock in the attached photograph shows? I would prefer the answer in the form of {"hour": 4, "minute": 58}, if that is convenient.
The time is {"hour": 8, "minute": 50}
